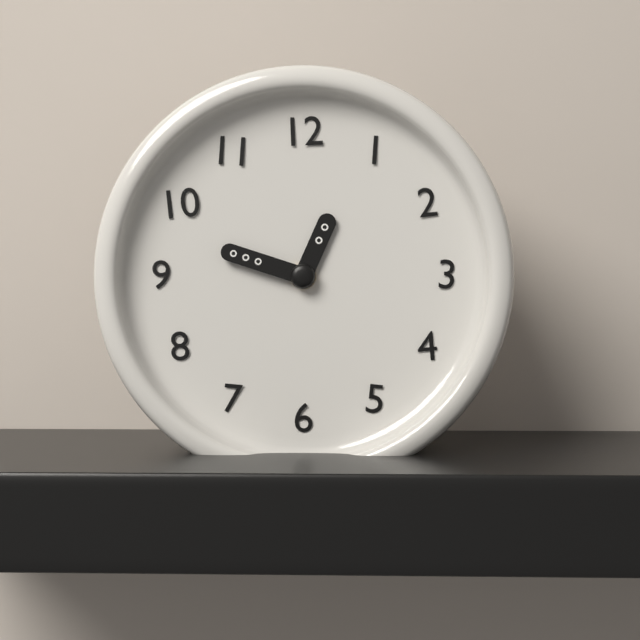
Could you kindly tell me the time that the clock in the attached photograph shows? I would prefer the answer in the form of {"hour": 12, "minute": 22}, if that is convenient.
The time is {"hour": 12, "minute": 48}
